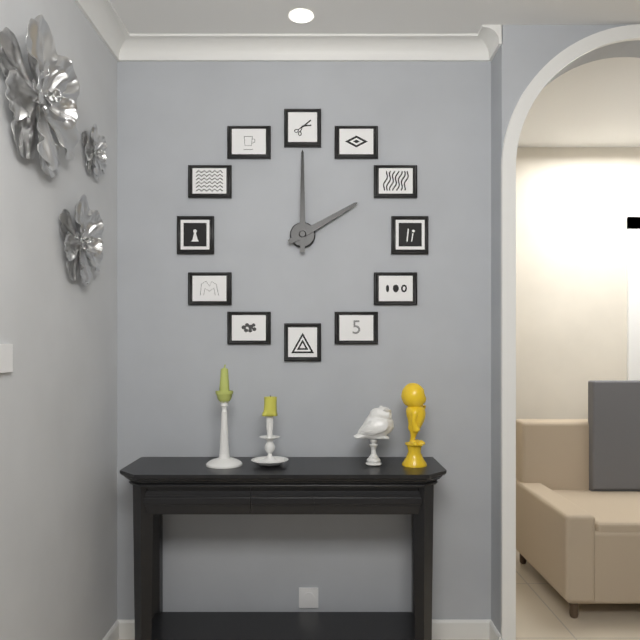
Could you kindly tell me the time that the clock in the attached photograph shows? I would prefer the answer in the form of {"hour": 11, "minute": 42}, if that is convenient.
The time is {"hour": 2, "minute": 0}
